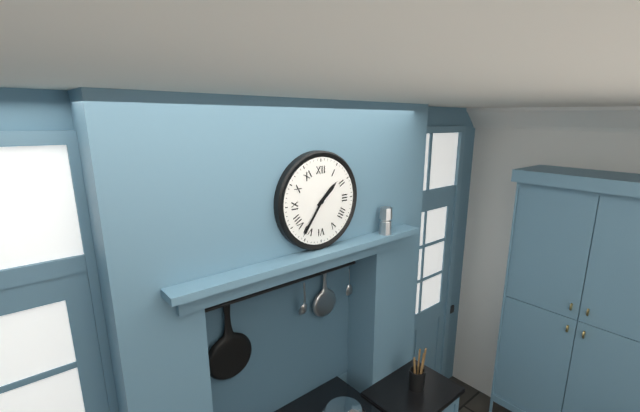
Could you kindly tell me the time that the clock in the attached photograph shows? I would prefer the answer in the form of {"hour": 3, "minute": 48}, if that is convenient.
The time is {"hour": 1, "minute": 36}
